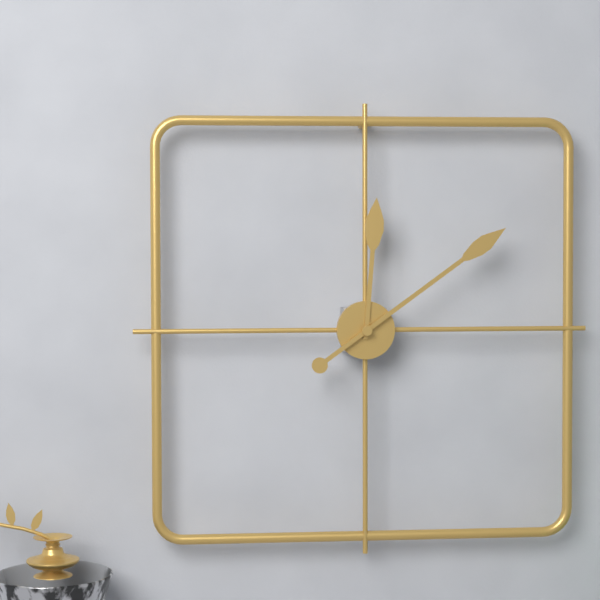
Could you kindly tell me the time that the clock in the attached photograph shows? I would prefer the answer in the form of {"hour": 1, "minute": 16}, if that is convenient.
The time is {"hour": 12, "minute": 9}
